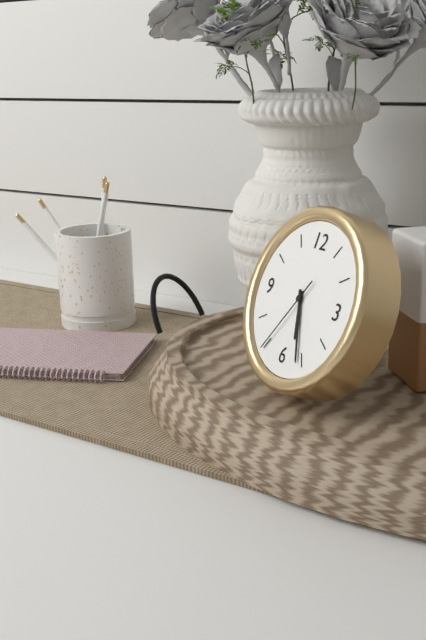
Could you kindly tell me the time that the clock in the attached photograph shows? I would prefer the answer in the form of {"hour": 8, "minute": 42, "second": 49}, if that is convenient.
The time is {"hour": 5, "minute": 26, "second": 35}
